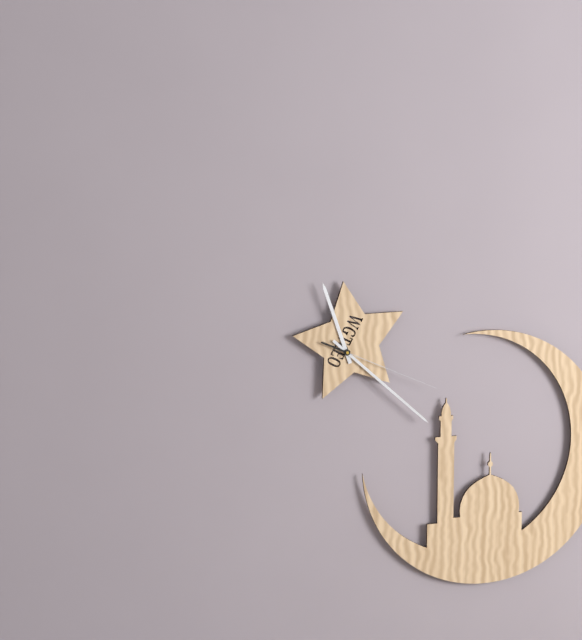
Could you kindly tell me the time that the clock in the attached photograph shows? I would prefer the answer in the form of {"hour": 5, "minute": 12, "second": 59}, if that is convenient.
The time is {"hour": 11, "minute": 22, "second": 19}
